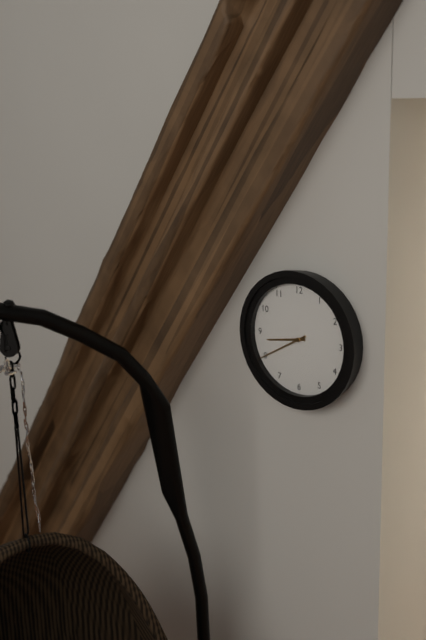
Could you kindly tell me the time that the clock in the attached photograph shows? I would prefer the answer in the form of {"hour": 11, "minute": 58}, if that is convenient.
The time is {"hour": 8, "minute": 40}
